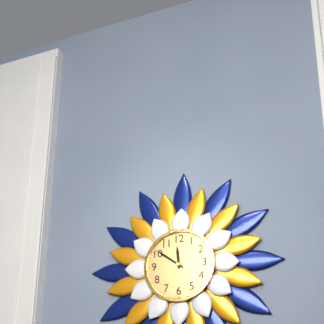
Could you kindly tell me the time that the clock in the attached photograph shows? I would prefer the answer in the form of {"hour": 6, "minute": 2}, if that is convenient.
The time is {"hour": 11, "minute": 51}
